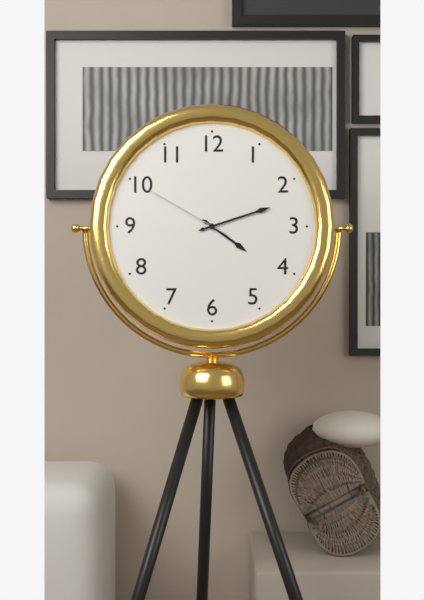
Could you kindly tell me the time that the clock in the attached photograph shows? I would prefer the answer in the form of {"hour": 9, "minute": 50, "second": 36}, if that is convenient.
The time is {"hour": 4, "minute": 12, "second": 50}
